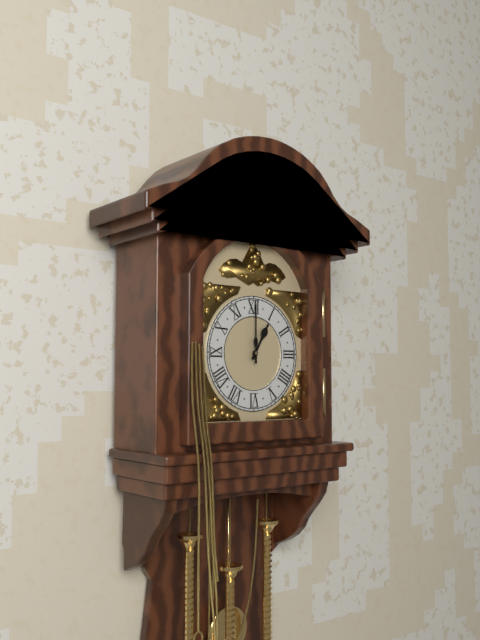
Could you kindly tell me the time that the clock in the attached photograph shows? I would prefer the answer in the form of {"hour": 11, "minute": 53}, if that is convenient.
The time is {"hour": 1, "minute": 0}
